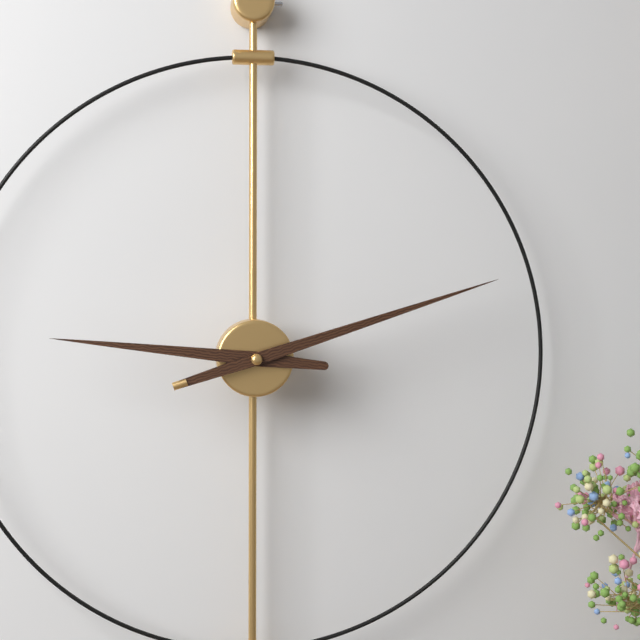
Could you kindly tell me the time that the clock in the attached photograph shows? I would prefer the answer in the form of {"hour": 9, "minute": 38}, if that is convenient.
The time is {"hour": 9, "minute": 12}
